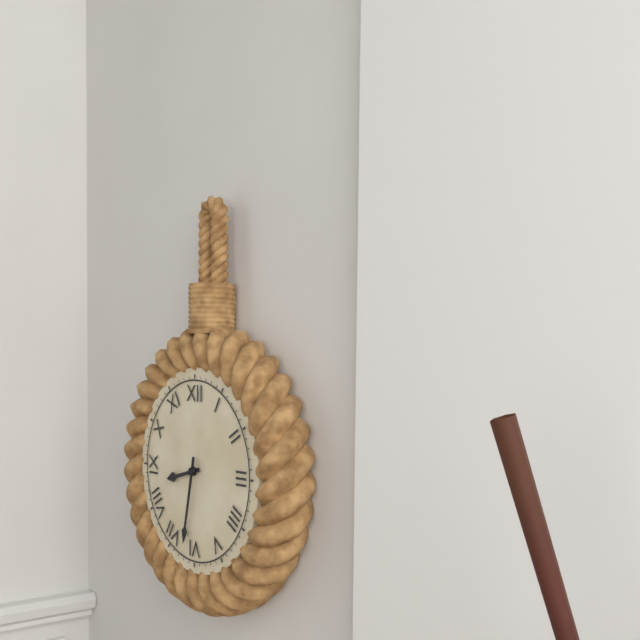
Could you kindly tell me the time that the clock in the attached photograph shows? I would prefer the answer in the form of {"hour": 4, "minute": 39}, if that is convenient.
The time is {"hour": 8, "minute": 32}
